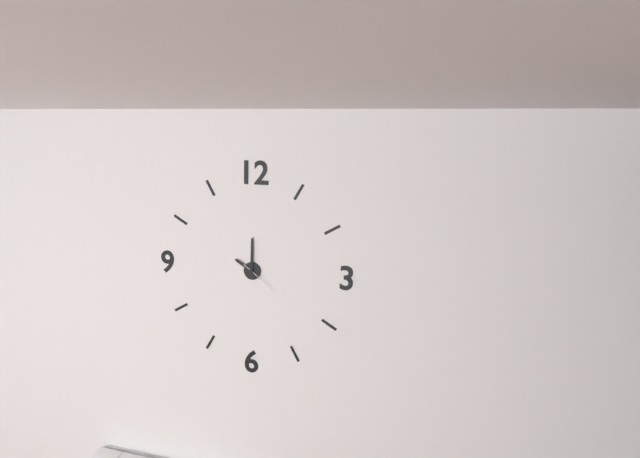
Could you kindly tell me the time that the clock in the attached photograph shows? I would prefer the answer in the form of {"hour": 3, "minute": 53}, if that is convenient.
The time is {"hour": 10, "minute": 0}
